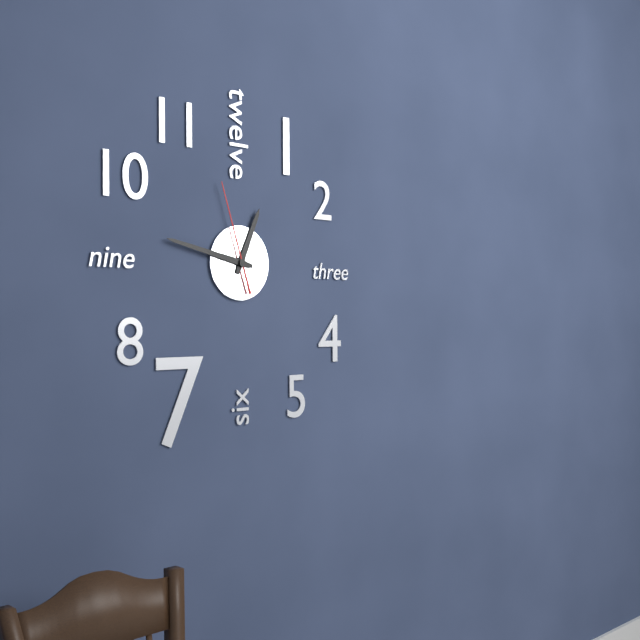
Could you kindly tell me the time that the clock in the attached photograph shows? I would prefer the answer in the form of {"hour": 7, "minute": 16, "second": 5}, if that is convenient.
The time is {"hour": 12, "minute": 47, "second": 57}
